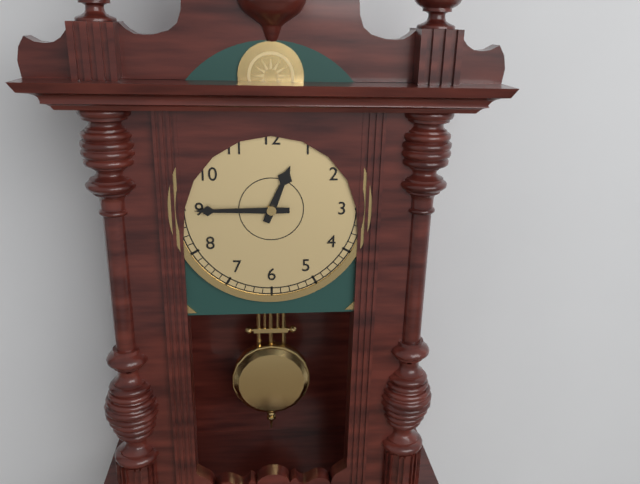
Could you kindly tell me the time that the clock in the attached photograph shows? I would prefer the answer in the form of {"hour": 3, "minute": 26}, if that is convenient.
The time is {"hour": 12, "minute": 45}
